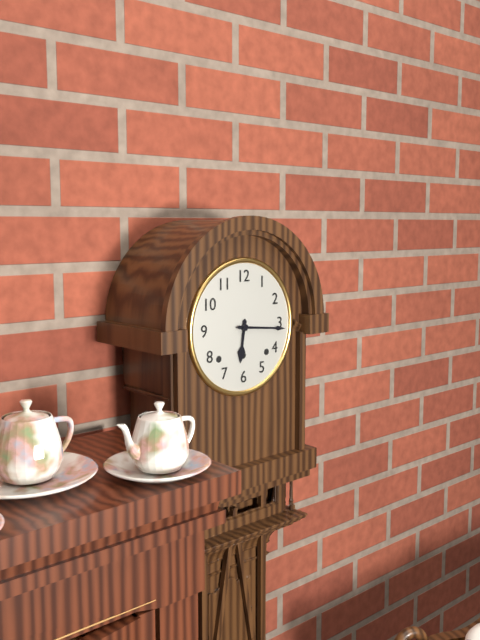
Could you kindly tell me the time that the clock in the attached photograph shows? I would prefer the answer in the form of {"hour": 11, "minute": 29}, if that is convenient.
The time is {"hour": 6, "minute": 16}
